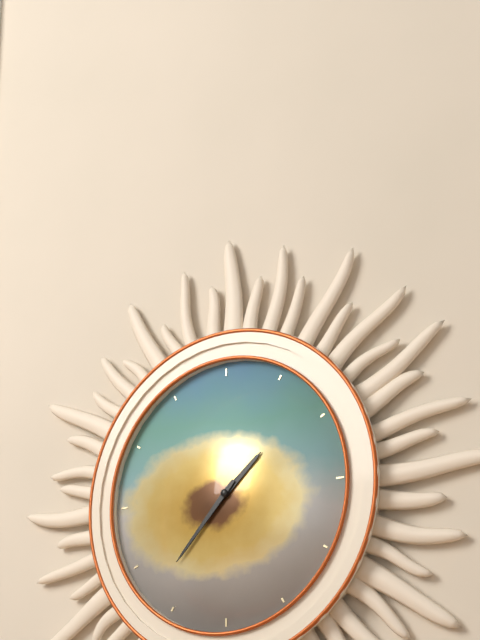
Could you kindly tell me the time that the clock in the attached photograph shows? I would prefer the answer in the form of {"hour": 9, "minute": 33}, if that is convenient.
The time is {"hour": 1, "minute": 37}
